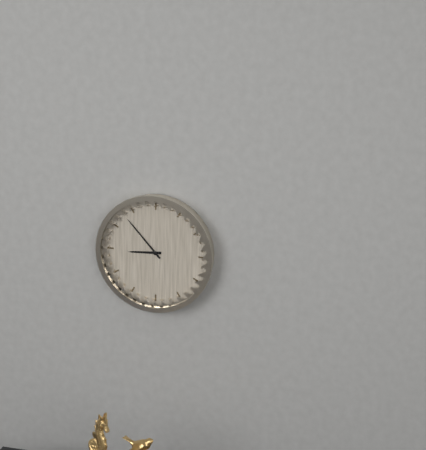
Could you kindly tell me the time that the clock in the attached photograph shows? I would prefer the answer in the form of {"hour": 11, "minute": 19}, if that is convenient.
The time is {"hour": 8, "minute": 53}
